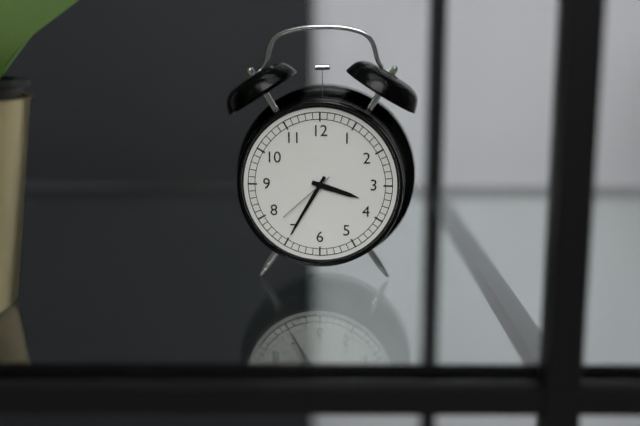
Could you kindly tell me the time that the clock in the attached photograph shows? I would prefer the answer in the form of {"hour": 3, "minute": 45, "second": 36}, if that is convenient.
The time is {"hour": 3, "minute": 35, "second": 38}
